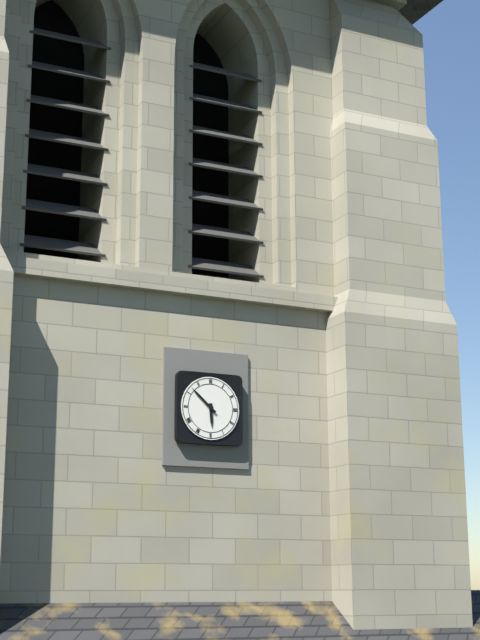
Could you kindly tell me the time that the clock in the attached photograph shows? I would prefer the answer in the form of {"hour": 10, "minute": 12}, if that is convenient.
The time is {"hour": 5, "minute": 52}
